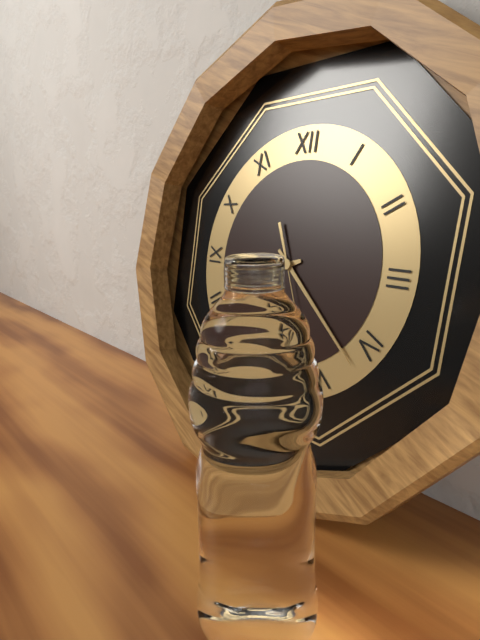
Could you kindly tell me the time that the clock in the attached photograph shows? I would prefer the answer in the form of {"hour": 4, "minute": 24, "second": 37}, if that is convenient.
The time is {"hour": 8, "minute": 22, "second": 26}
